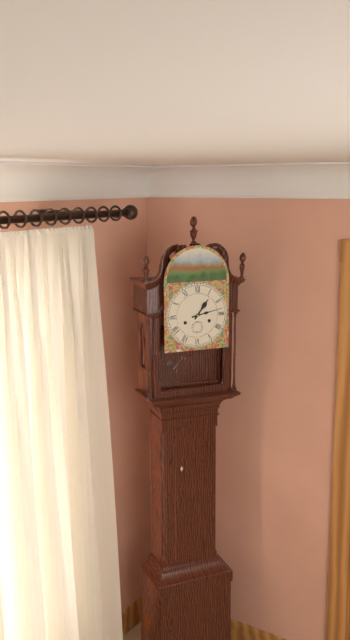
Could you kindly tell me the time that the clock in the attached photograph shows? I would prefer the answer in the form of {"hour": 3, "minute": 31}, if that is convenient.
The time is {"hour": 1, "minute": 13}
